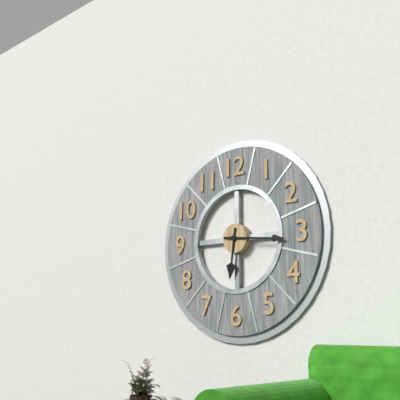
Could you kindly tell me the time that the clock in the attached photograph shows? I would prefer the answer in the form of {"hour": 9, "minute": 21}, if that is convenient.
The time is {"hour": 6, "minute": 16}
